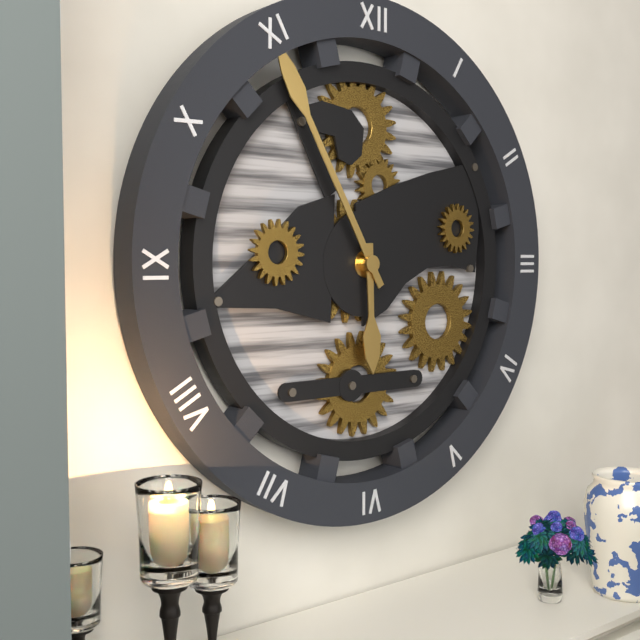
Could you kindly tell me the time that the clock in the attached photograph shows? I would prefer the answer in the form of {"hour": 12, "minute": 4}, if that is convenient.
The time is {"hour": 5, "minute": 55}
